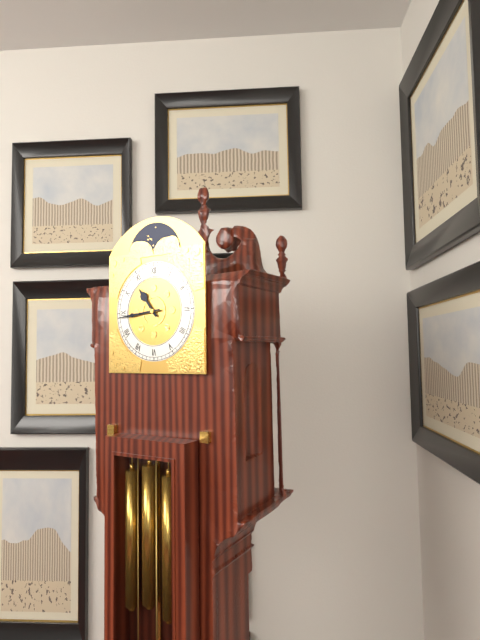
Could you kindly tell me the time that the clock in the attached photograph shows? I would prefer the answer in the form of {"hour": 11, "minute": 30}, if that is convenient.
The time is {"hour": 10, "minute": 44}
